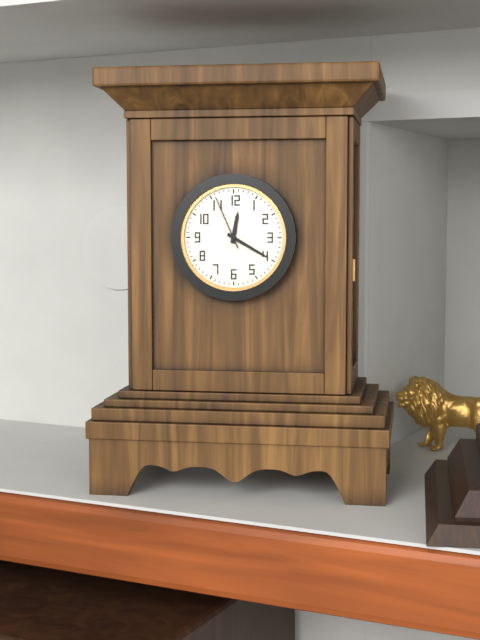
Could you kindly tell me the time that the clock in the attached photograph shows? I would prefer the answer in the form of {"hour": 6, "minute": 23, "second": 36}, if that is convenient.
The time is {"hour": 12, "minute": 20, "second": 56}
